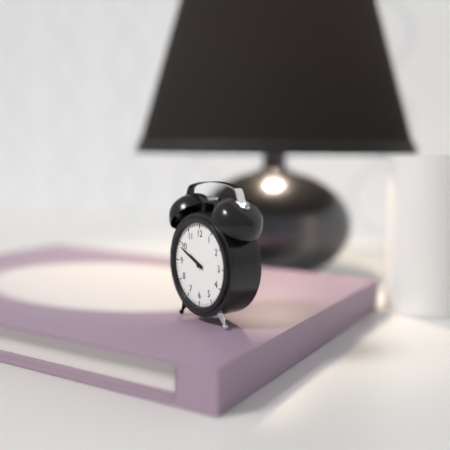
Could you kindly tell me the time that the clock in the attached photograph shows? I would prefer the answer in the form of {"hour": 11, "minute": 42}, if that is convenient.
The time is {"hour": 9, "minute": 49}
